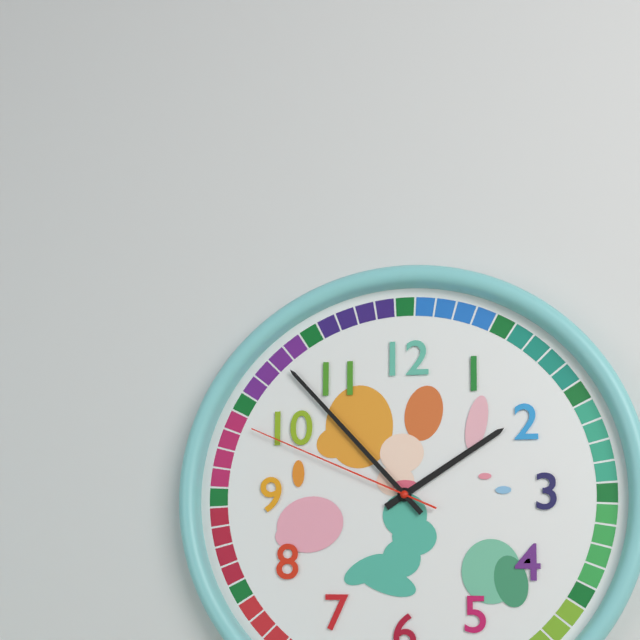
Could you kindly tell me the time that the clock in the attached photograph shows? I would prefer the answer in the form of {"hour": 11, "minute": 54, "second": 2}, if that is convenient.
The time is {"hour": 1, "minute": 53, "second": 49}
